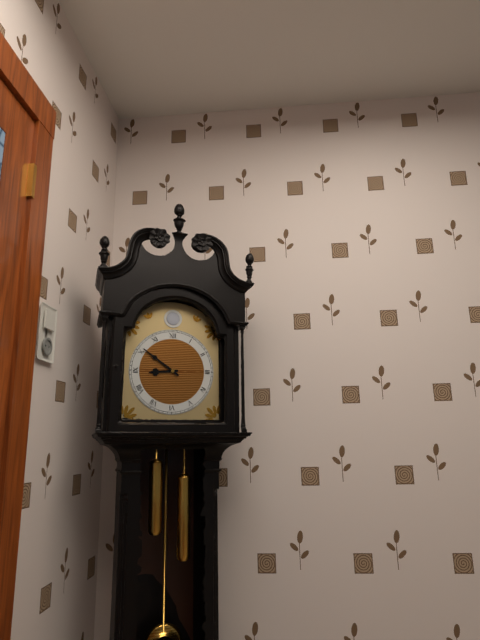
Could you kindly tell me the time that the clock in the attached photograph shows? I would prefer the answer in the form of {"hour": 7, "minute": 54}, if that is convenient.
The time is {"hour": 8, "minute": 51}
